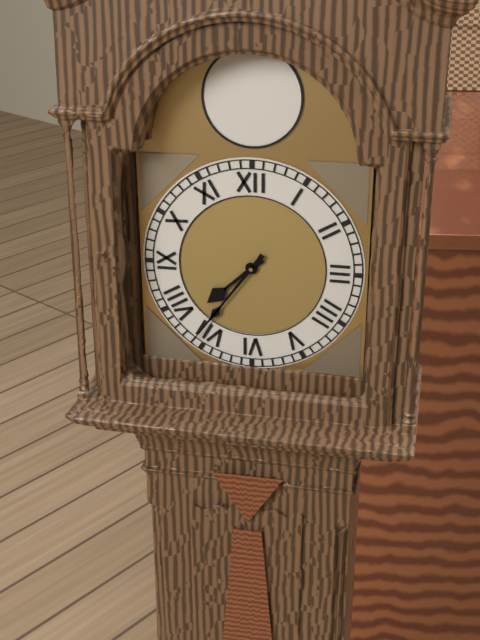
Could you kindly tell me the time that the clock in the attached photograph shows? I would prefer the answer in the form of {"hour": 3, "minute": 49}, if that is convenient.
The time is {"hour": 7, "minute": 36}
